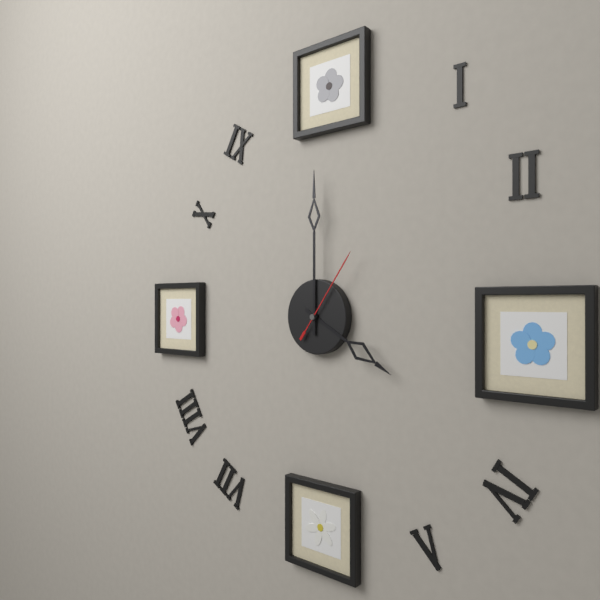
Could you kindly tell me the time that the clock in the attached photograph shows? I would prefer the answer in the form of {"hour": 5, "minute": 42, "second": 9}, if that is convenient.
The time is {"hour": 4, "minute": 0, "second": 6}
